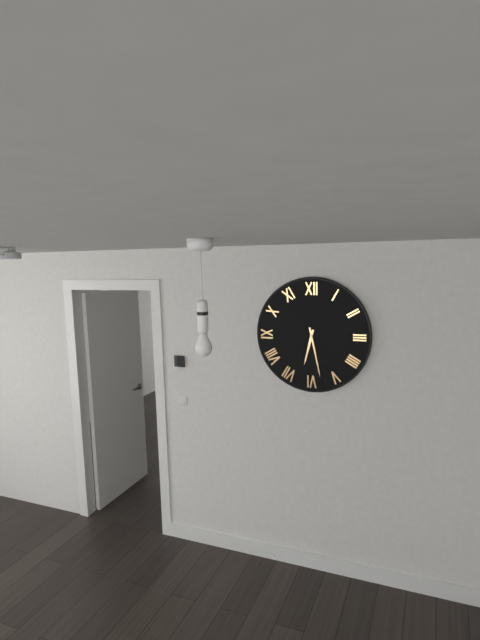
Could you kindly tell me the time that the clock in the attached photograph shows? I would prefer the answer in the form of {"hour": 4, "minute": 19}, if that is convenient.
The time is {"hour": 6, "minute": 28}
